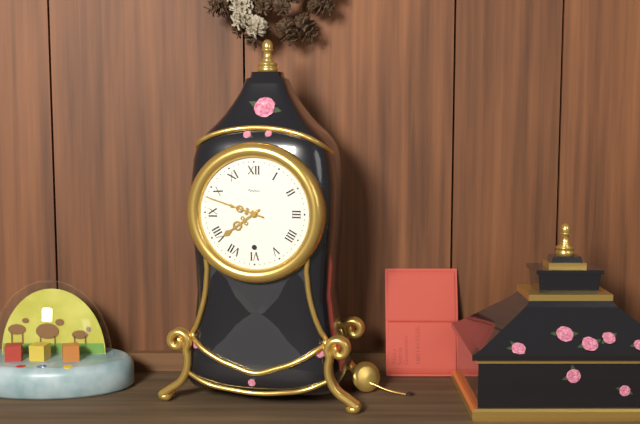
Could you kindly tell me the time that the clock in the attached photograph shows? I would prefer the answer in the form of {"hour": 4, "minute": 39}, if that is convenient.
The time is {"hour": 7, "minute": 48}
